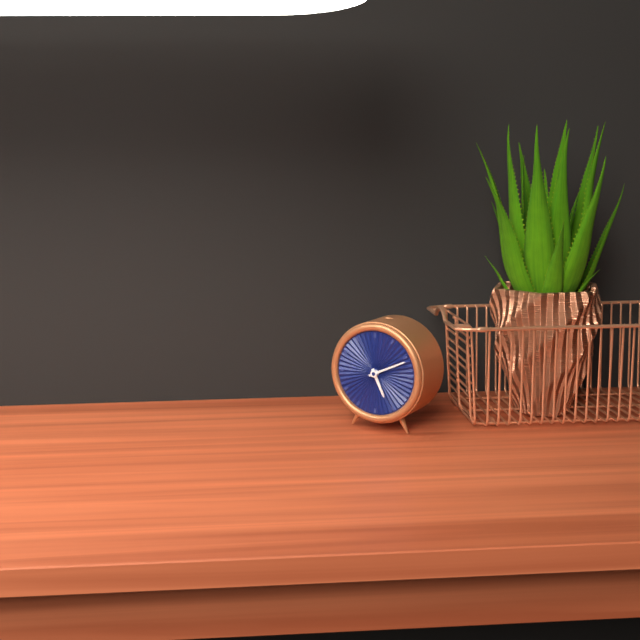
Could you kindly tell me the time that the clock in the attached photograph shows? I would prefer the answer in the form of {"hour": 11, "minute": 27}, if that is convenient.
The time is {"hour": 5, "minute": 11}
